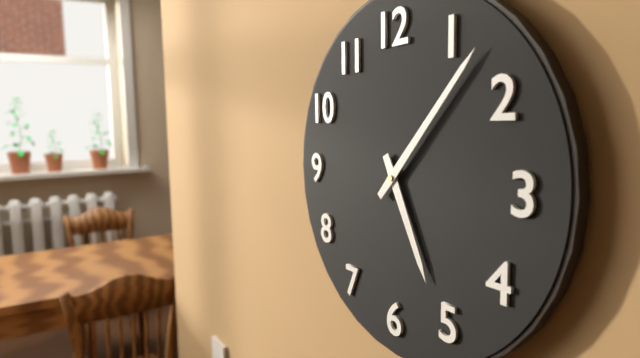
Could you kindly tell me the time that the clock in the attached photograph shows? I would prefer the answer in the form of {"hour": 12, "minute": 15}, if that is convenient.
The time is {"hour": 5, "minute": 7}
